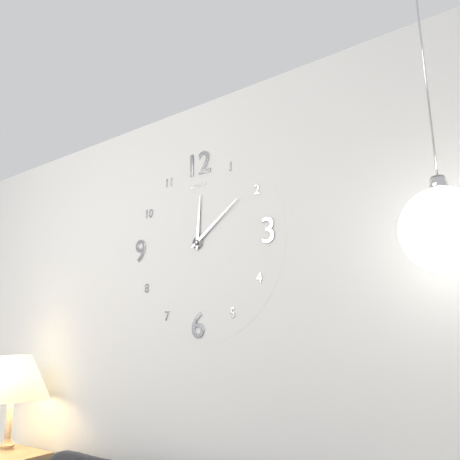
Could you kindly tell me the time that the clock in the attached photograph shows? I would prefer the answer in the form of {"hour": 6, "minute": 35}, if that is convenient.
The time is {"hour": 12, "minute": 9}
